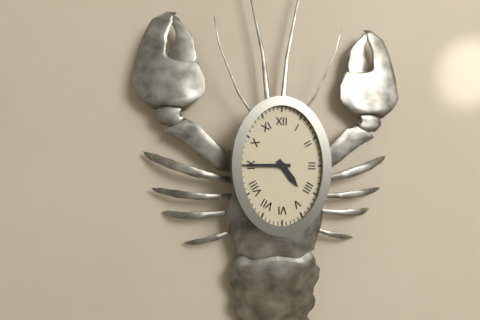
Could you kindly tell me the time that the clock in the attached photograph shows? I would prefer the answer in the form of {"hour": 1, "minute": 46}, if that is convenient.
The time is {"hour": 4, "minute": 45}
